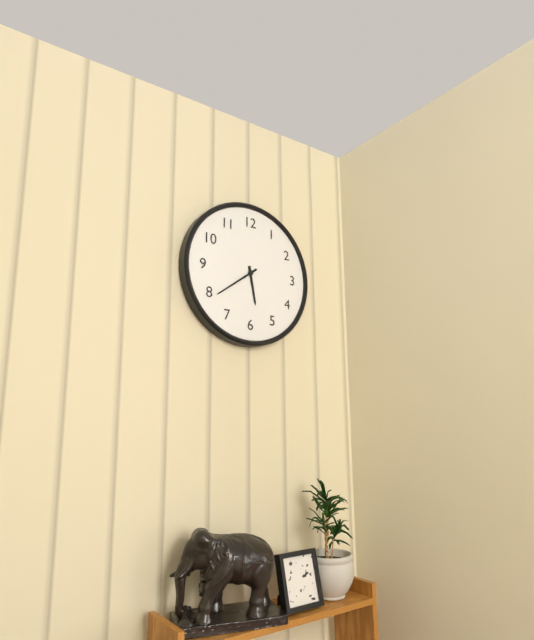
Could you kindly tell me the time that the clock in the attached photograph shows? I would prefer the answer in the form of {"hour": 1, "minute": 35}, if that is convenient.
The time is {"hour": 5, "minute": 39}
